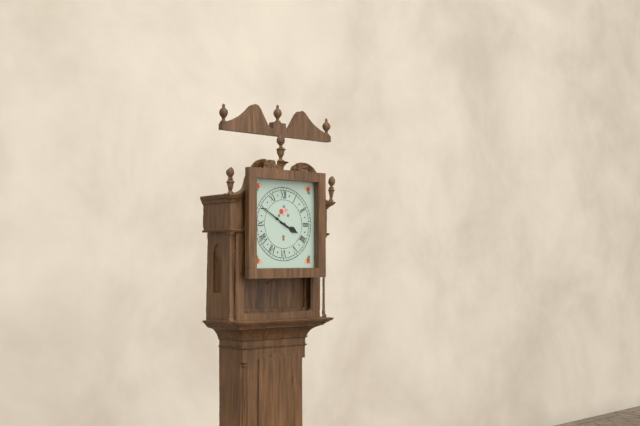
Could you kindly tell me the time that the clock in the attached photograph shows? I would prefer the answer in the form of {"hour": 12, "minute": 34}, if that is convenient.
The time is {"hour": 3, "minute": 50}
